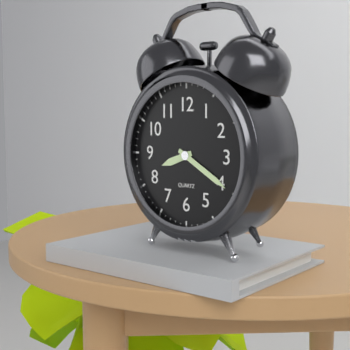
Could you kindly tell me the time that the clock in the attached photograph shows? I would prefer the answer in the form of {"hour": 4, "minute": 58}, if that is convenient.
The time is {"hour": 8, "minute": 20}
